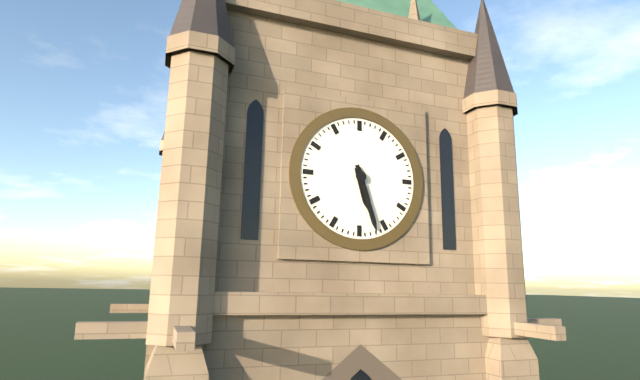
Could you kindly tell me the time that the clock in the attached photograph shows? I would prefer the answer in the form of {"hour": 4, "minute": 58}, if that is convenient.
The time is {"hour": 5, "minute": 27}
